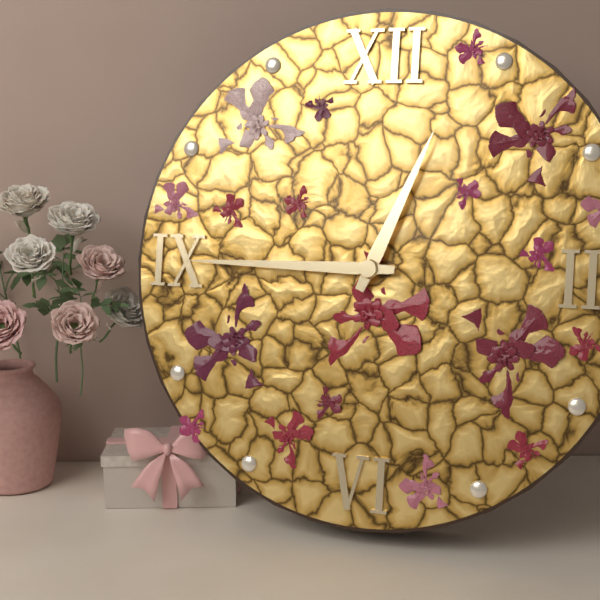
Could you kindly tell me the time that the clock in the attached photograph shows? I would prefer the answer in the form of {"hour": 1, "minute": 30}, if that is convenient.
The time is {"hour": 12, "minute": 45}
